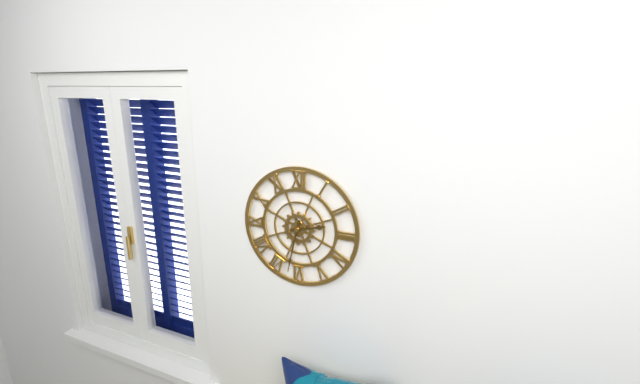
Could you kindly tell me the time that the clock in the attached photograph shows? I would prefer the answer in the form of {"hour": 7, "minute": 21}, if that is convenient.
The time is {"hour": 2, "minute": 32}
